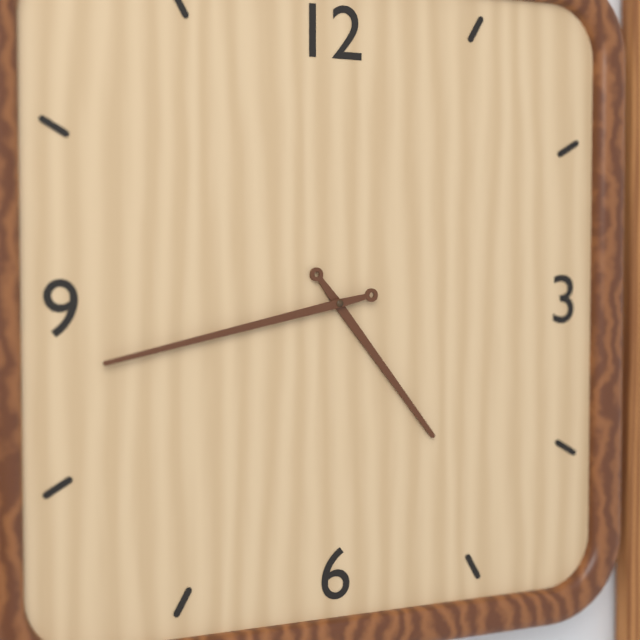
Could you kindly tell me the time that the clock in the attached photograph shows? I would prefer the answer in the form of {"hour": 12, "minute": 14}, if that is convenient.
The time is {"hour": 4, "minute": 43}
